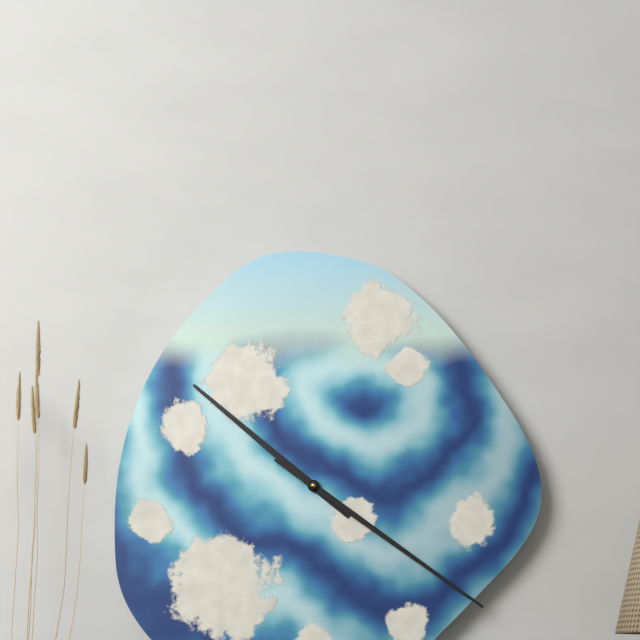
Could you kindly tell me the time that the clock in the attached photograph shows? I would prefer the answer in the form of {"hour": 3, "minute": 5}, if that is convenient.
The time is {"hour": 10, "minute": 21}
